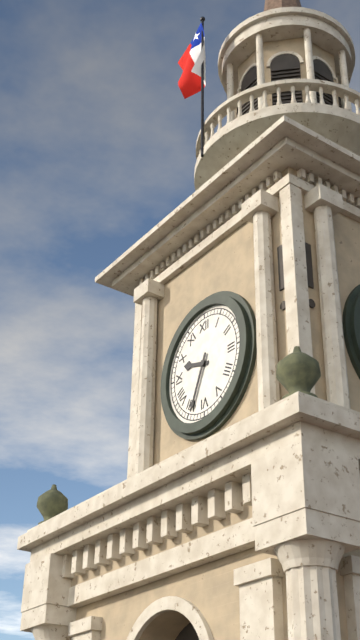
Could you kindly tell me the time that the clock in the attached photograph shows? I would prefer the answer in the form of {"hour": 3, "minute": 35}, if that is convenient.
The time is {"hour": 9, "minute": 34}
